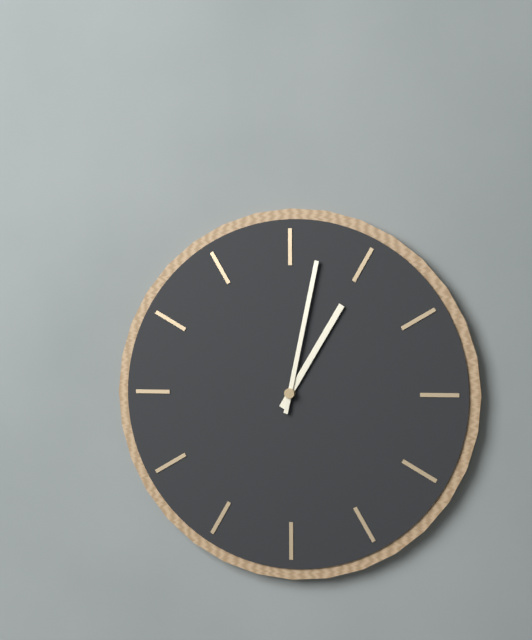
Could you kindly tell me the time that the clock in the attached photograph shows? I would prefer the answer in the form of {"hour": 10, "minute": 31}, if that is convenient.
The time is {"hour": 1, "minute": 2}
